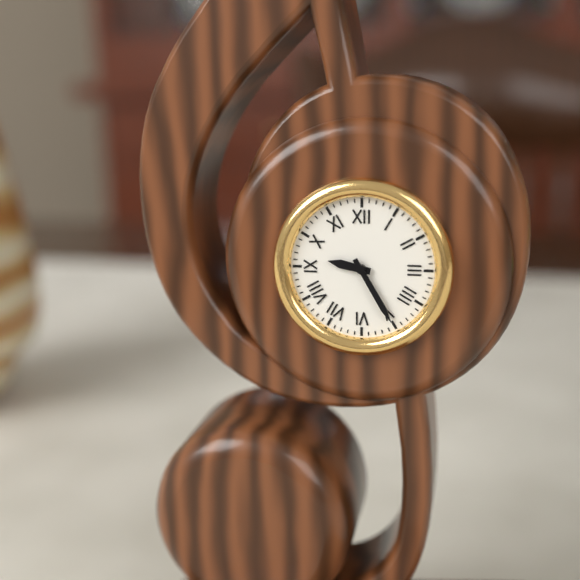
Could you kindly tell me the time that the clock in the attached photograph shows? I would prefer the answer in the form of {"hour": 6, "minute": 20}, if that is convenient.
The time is {"hour": 9, "minute": 25}
